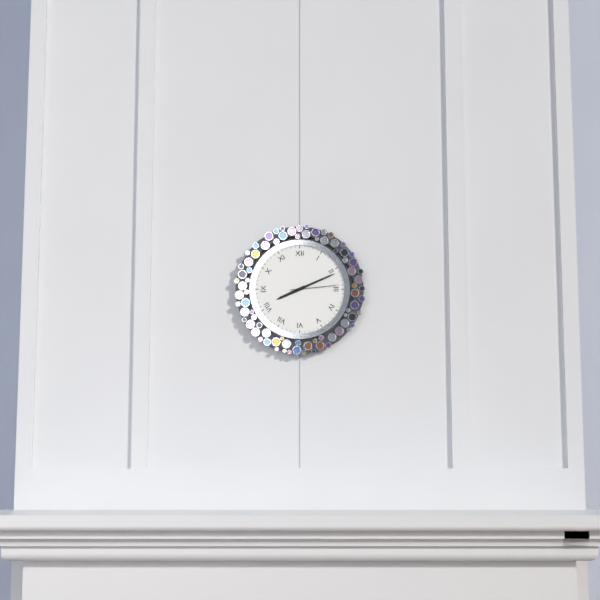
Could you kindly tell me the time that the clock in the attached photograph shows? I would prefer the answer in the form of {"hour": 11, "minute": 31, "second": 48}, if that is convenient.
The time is {"hour": 8, "minute": 11, "second": 14}
